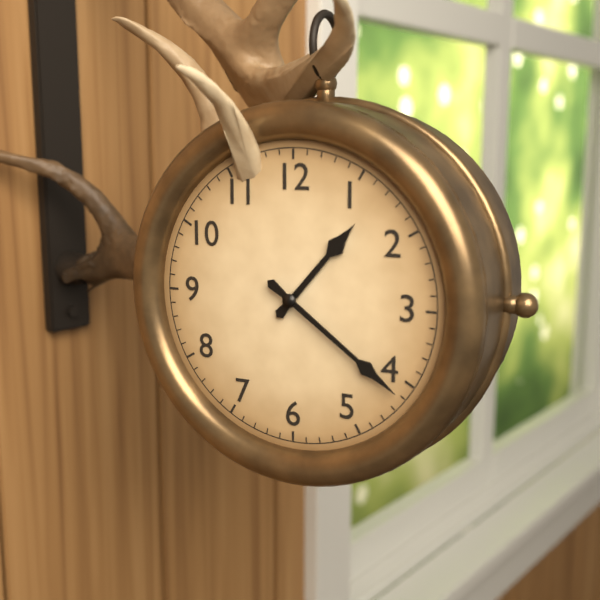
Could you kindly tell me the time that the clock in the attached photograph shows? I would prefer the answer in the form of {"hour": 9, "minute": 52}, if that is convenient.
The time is {"hour": 1, "minute": 21}
